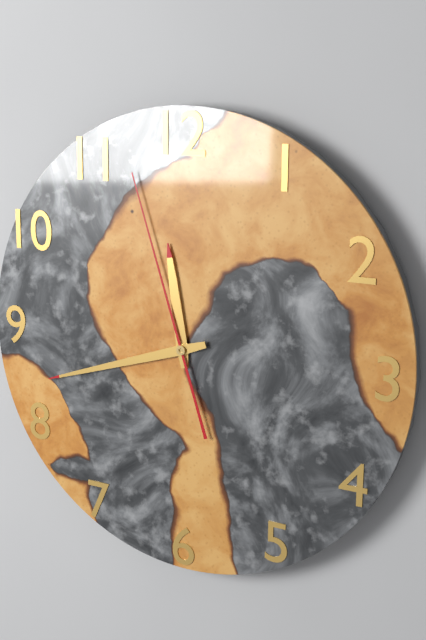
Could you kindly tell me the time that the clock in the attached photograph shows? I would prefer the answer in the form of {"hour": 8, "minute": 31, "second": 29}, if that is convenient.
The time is {"hour": 11, "minute": 42, "second": 57}
